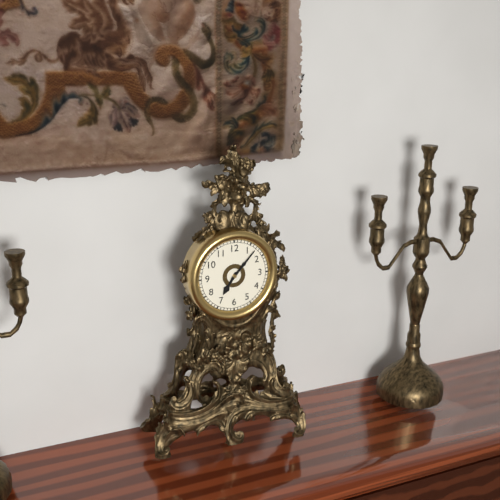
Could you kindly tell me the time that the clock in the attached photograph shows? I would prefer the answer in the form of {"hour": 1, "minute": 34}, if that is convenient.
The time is {"hour": 7, "minute": 7}
